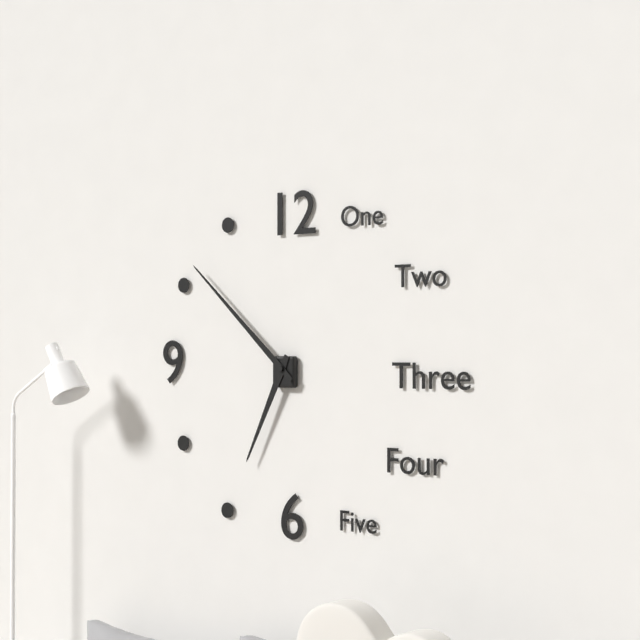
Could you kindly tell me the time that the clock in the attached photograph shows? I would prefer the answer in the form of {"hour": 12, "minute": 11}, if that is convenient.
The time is {"hour": 6, "minute": 52}
